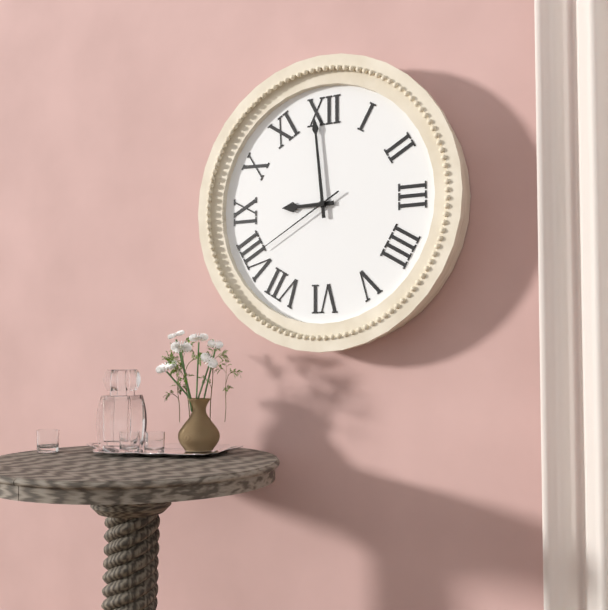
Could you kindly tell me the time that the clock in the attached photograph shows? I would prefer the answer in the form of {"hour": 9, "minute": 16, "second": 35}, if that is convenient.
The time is {"hour": 8, "minute": 59, "second": 40}
